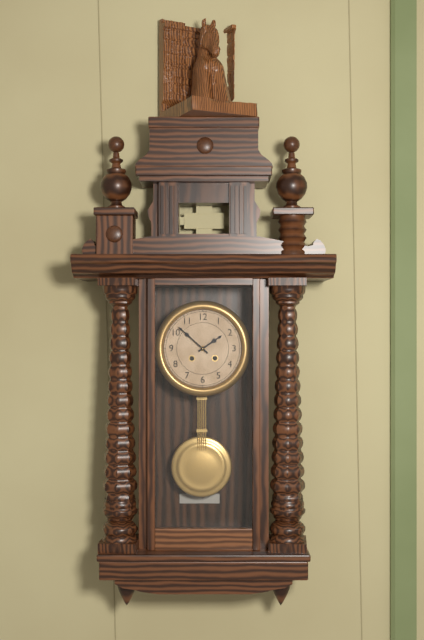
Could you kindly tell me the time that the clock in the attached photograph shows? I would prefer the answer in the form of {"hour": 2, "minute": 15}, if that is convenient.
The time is {"hour": 1, "minute": 52}
